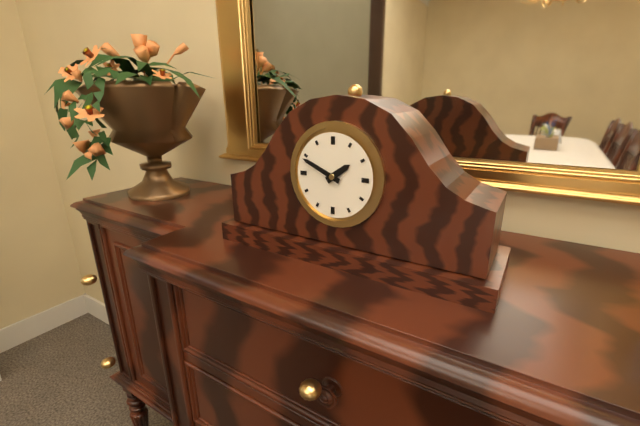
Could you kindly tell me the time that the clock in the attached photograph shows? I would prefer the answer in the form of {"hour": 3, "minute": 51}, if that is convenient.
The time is {"hour": 1, "minute": 49}
